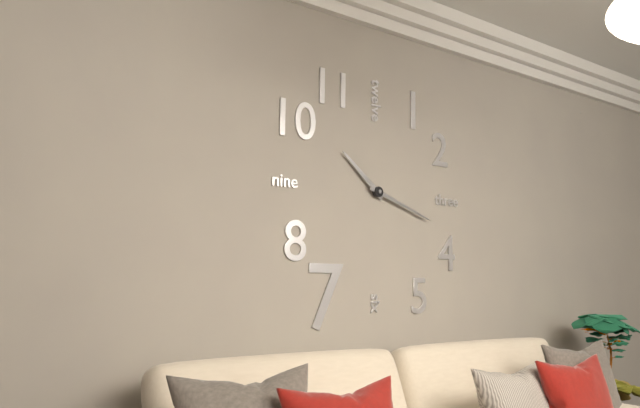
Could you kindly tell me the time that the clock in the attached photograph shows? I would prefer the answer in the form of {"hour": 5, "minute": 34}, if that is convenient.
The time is {"hour": 10, "minute": 18}
